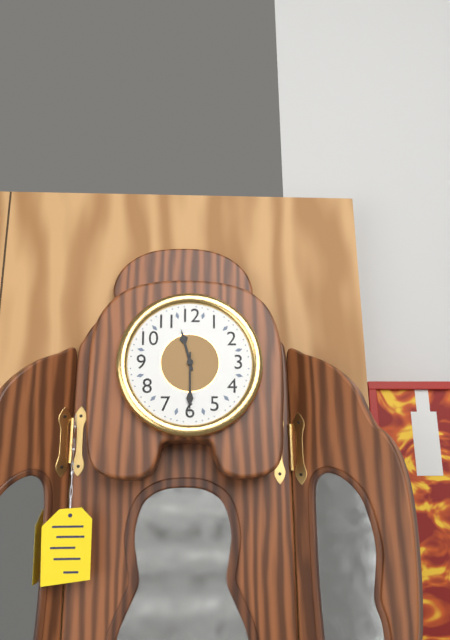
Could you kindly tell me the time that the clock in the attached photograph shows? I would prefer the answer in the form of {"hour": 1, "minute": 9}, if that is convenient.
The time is {"hour": 11, "minute": 30}
